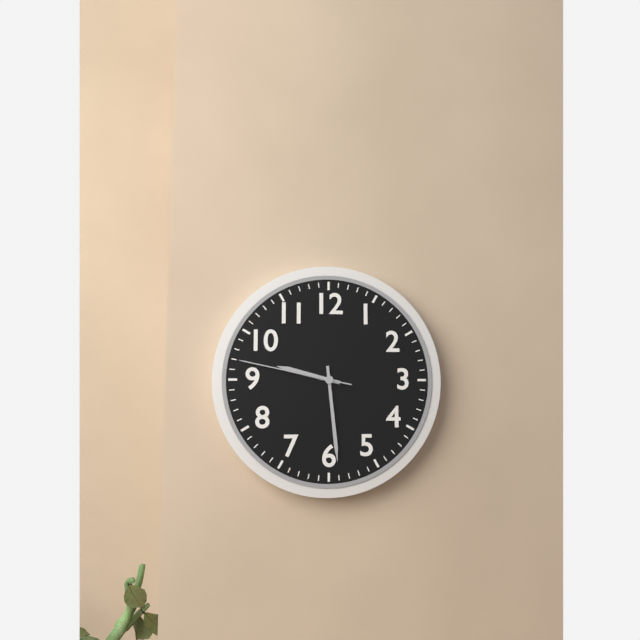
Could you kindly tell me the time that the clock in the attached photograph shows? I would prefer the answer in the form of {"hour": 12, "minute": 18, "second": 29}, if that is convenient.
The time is {"hour": 9, "minute": 29, "second": 47}
